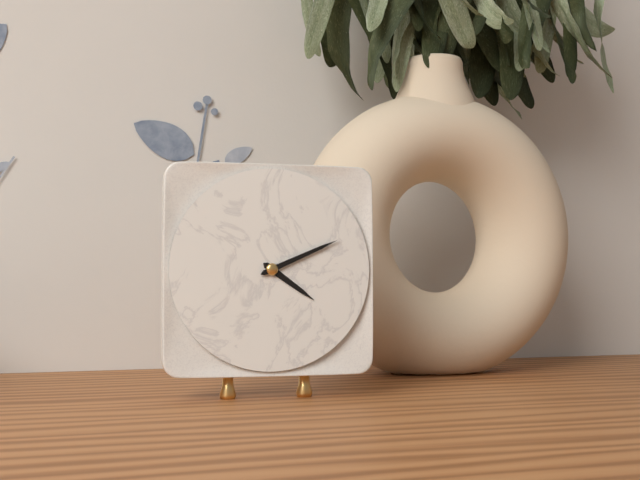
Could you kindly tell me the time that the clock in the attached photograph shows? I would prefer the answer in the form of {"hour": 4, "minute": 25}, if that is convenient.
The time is {"hour": 4, "minute": 11}
